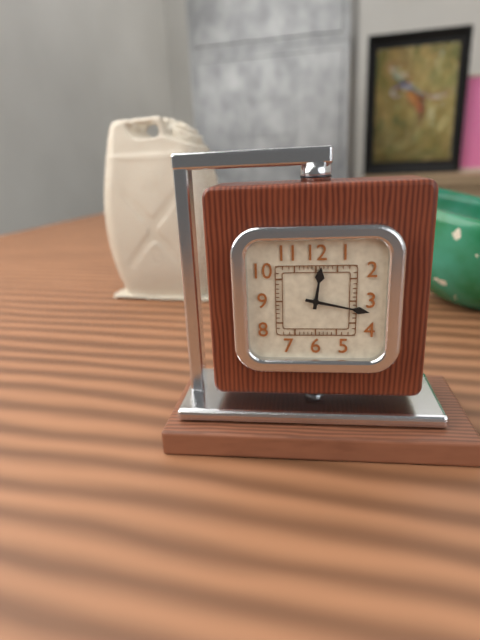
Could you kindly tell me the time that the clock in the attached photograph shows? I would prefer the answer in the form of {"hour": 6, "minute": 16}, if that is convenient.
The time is {"hour": 12, "minute": 17}
